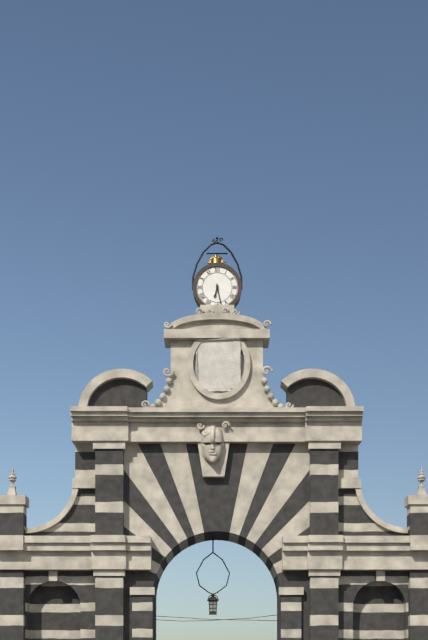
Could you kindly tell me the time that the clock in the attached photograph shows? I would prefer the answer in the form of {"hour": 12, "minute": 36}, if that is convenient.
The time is {"hour": 6, "minute": 28}
